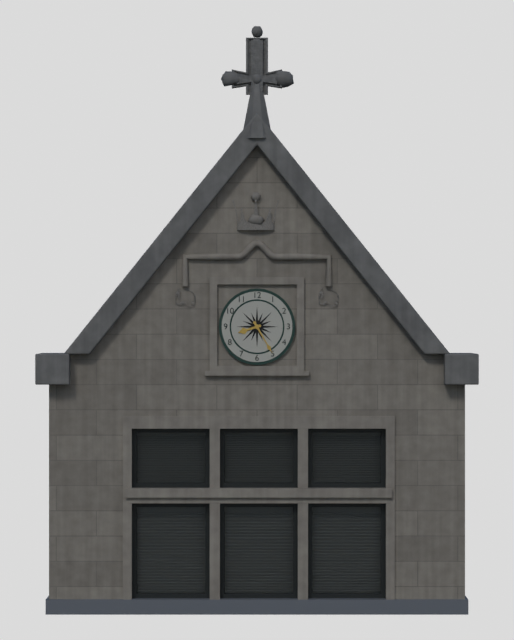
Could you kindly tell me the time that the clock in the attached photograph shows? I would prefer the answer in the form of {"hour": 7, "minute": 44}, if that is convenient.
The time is {"hour": 8, "minute": 25}
